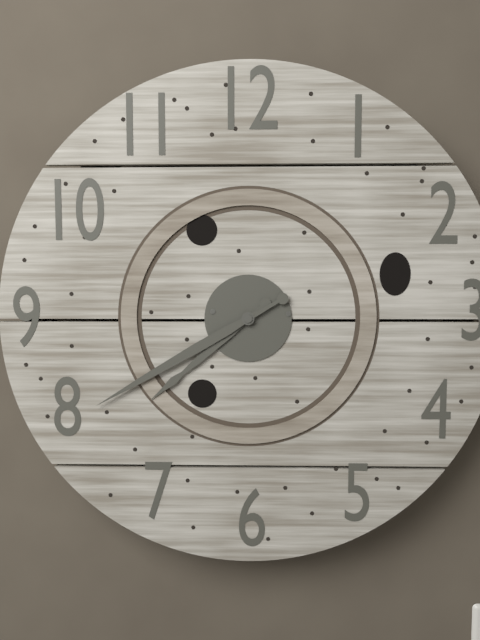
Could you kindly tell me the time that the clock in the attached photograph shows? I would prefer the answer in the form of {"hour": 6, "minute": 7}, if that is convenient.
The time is {"hour": 7, "minute": 40}
